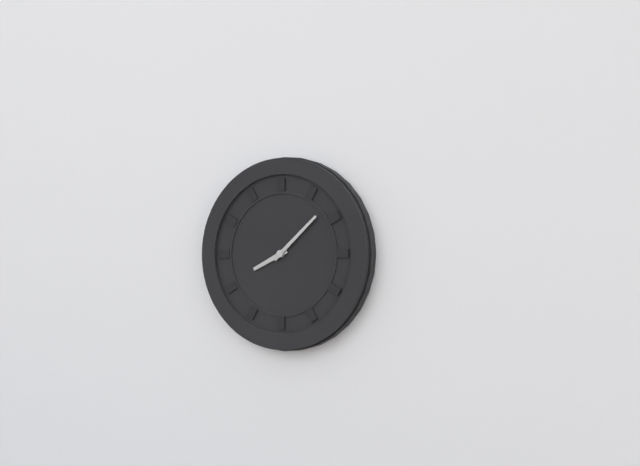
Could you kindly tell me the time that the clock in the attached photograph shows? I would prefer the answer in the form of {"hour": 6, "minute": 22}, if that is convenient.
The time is {"hour": 8, "minute": 8}
